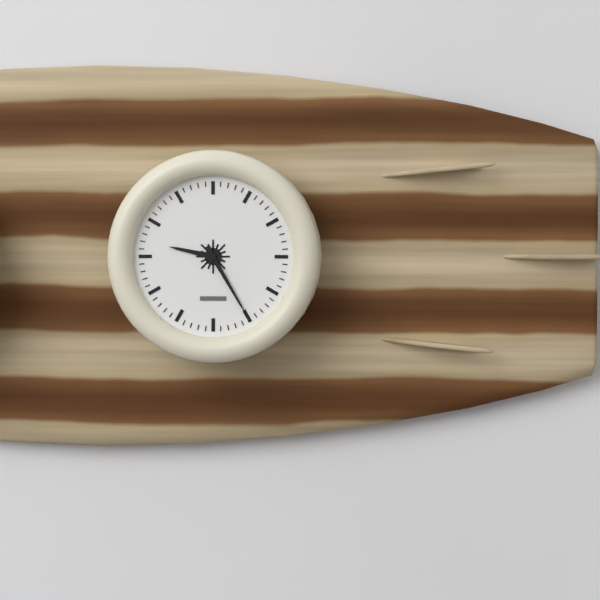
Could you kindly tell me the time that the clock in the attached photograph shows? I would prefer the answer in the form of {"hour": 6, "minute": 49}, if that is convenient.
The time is {"hour": 9, "minute": 25}
